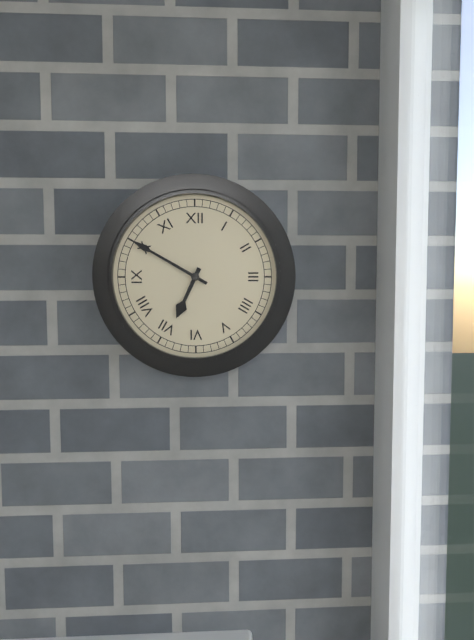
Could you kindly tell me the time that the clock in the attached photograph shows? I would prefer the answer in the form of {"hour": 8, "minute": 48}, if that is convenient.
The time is {"hour": 6, "minute": 50}
